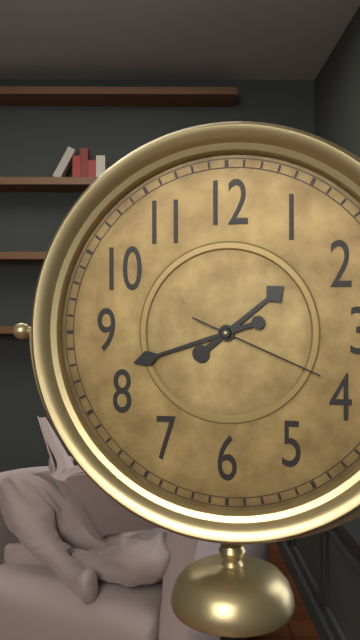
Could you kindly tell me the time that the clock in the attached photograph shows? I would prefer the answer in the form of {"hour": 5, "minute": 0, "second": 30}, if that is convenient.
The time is {"hour": 1, "minute": 42, "second": 19}
